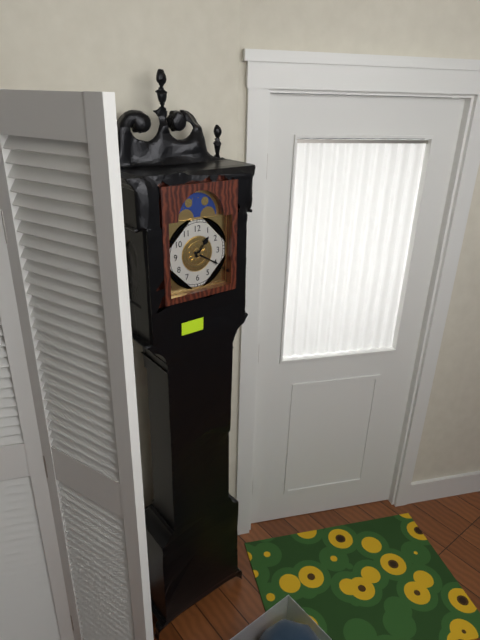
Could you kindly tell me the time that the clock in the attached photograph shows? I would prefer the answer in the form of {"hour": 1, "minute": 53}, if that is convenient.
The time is {"hour": 1, "minute": 20}
